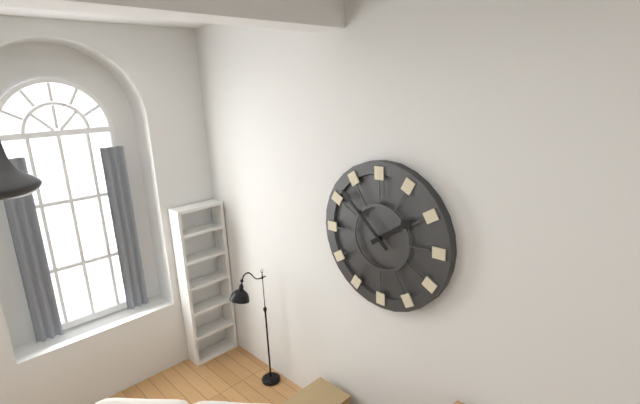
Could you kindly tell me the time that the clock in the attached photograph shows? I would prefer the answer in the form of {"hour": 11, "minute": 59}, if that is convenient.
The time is {"hour": 1, "minute": 52}
